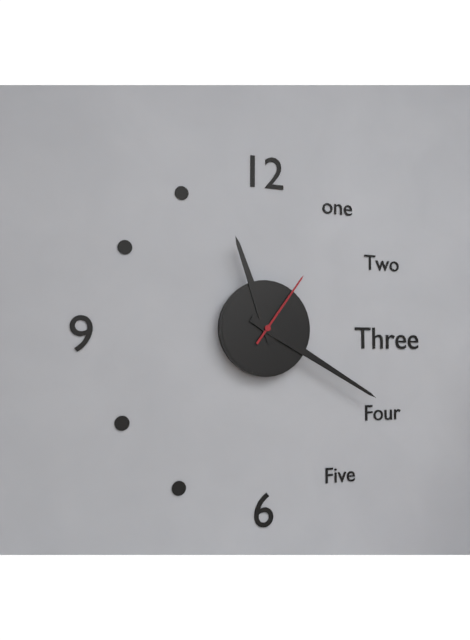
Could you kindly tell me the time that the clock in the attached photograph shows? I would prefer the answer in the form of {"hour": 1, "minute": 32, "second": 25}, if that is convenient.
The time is {"hour": 11, "minute": 20, "second": 6}
